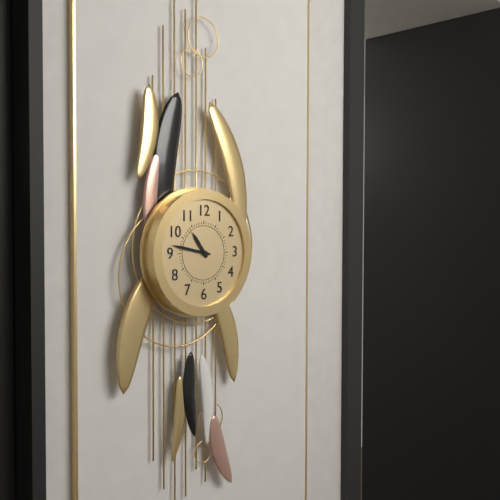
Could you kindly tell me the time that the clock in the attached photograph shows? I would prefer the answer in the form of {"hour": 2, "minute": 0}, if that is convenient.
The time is {"hour": 10, "minute": 47}
